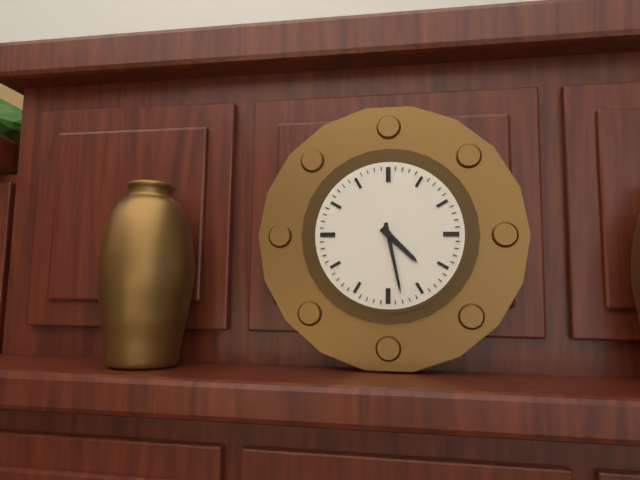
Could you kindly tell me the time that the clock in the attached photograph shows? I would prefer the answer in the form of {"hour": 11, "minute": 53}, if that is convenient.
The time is {"hour": 4, "minute": 28}
